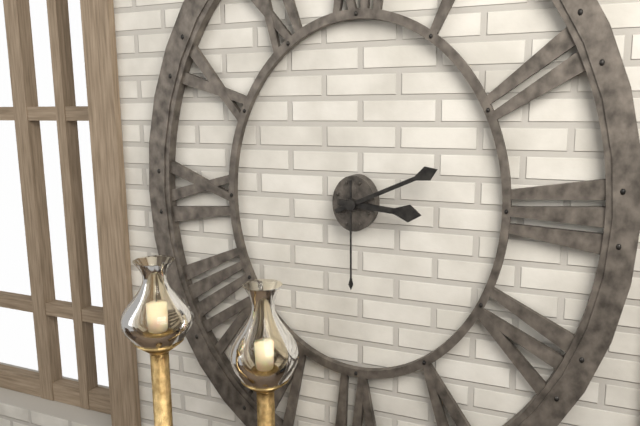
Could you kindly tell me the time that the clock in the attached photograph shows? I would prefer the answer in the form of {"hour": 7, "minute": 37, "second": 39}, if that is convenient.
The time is {"hour": 3, "minute": 11, "second": 30}
